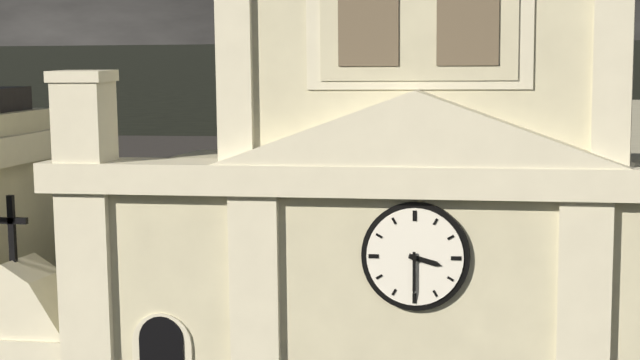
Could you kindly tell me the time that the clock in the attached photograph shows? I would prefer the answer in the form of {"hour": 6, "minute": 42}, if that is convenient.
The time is {"hour": 3, "minute": 30}
